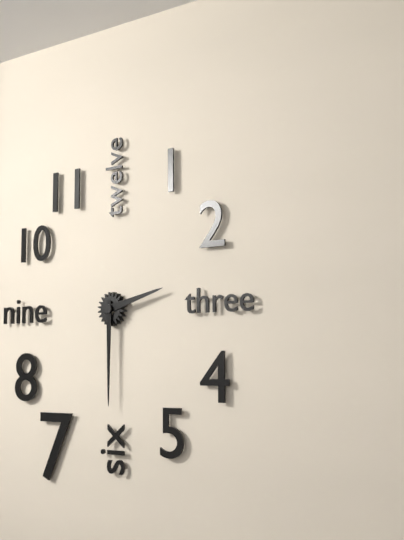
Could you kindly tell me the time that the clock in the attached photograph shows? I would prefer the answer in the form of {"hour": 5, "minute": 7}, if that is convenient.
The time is {"hour": 2, "minute": 30}
